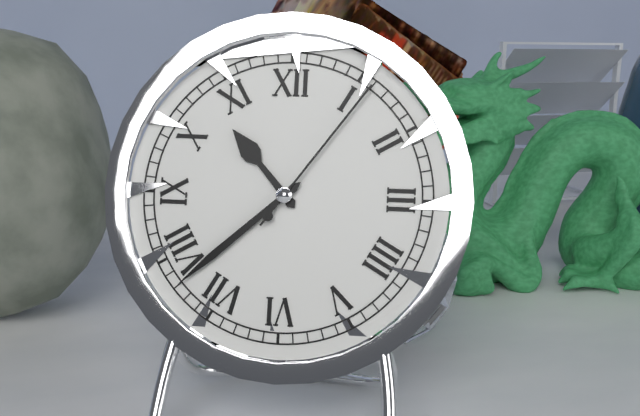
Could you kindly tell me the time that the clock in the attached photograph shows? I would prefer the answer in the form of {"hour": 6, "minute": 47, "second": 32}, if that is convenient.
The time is {"hour": 10, "minute": 38, "second": 6}
